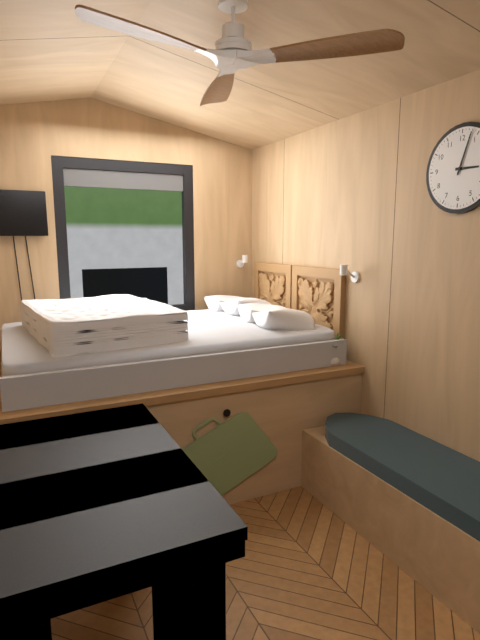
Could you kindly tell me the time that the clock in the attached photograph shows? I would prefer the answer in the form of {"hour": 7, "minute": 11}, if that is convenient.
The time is {"hour": 3, "minute": 3}
